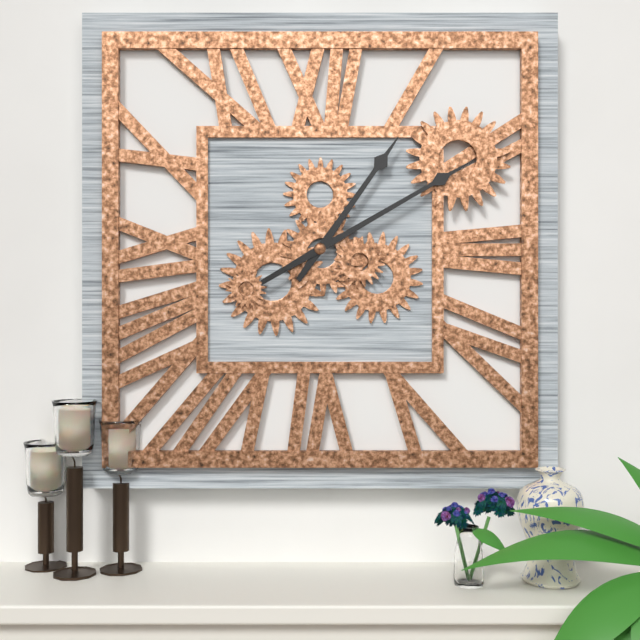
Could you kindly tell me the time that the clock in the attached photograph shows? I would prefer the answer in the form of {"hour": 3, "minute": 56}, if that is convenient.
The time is {"hour": 1, "minute": 10}
